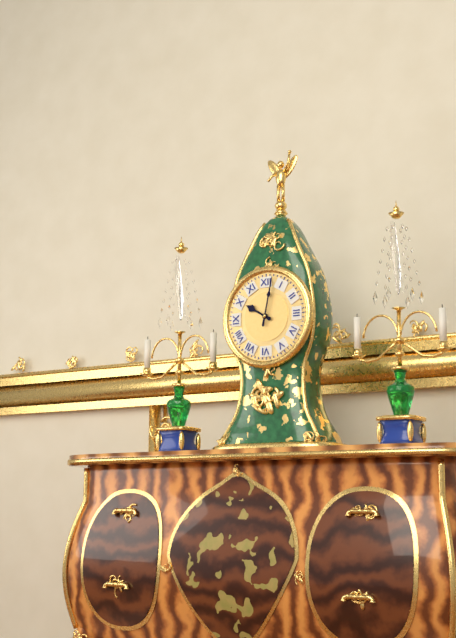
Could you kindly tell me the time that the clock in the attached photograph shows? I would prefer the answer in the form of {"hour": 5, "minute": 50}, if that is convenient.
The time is {"hour": 10, "minute": 2}
